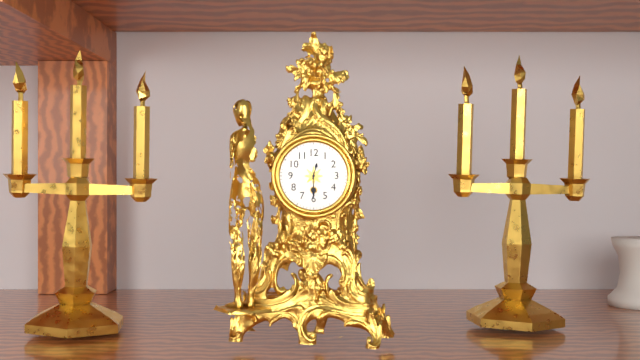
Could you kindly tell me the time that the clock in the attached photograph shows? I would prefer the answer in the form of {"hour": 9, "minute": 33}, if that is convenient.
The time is {"hour": 12, "minute": 30}
